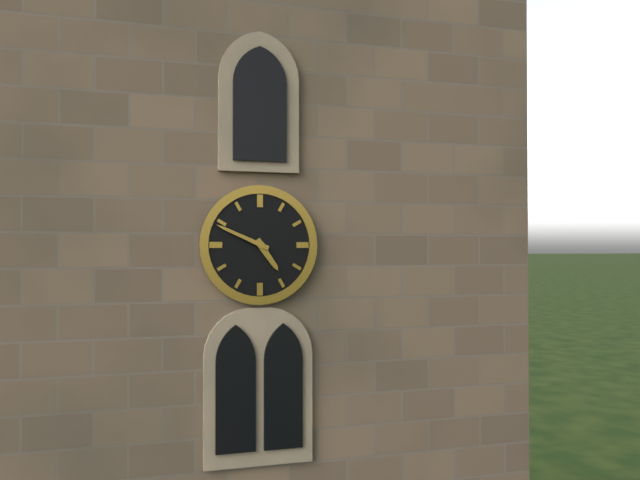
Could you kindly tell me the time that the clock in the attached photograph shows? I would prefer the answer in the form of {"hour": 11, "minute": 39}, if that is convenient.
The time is {"hour": 4, "minute": 49}
